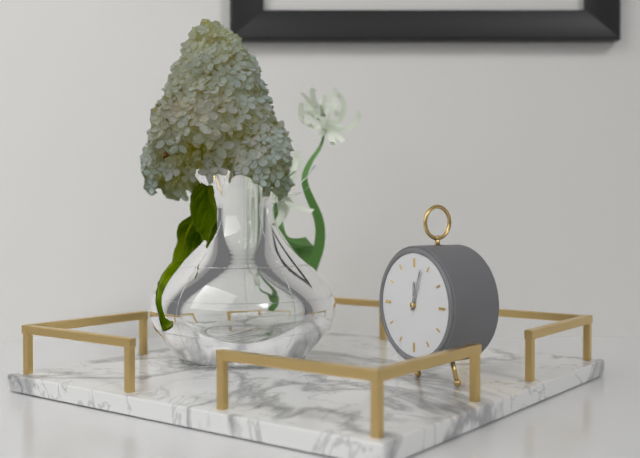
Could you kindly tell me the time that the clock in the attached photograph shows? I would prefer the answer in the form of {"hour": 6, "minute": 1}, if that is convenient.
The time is {"hour": 12, "minute": 3}
